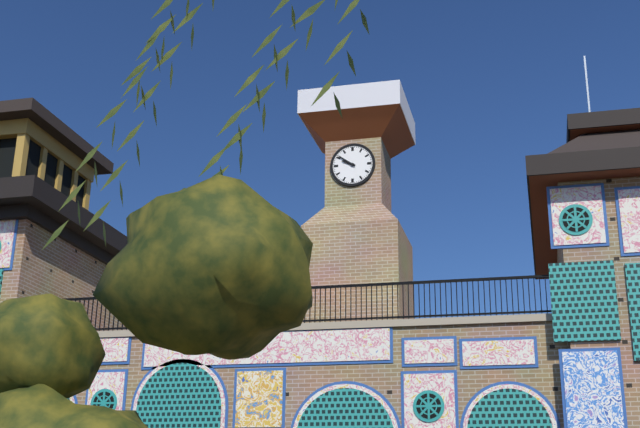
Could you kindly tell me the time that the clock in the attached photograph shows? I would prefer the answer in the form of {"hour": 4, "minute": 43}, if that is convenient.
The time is {"hour": 9, "minute": 51}
